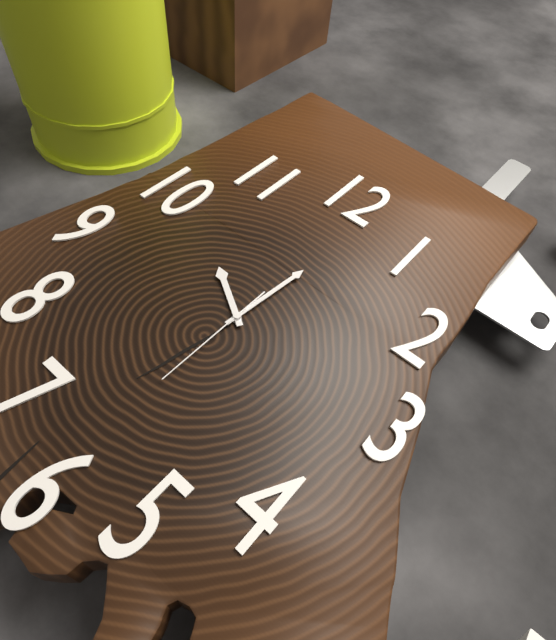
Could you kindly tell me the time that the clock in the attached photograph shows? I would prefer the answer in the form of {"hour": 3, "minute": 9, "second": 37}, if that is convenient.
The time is {"hour": 10, "minute": 1, "second": 30}
